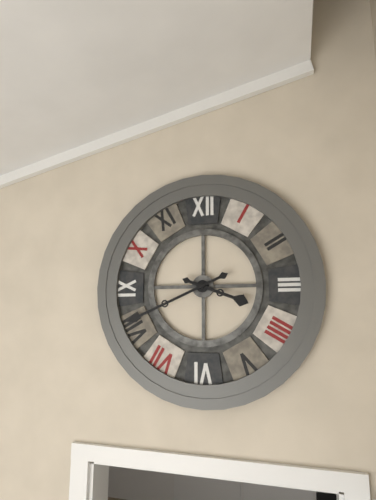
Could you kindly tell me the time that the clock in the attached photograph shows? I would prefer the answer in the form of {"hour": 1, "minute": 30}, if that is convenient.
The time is {"hour": 3, "minute": 41}
